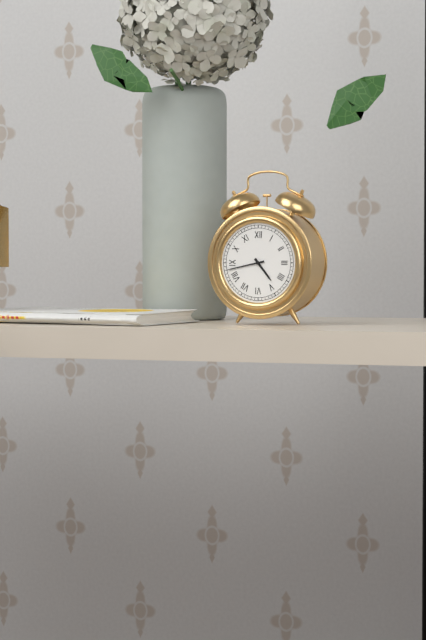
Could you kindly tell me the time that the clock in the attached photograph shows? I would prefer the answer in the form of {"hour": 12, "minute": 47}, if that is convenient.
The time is {"hour": 4, "minute": 43}
